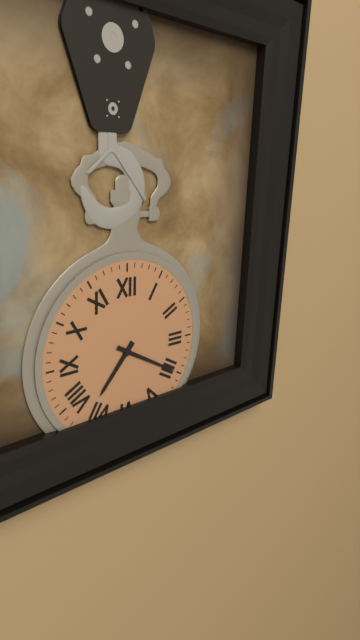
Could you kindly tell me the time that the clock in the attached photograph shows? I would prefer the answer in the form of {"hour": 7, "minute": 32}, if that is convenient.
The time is {"hour": 7, "minute": 20}
